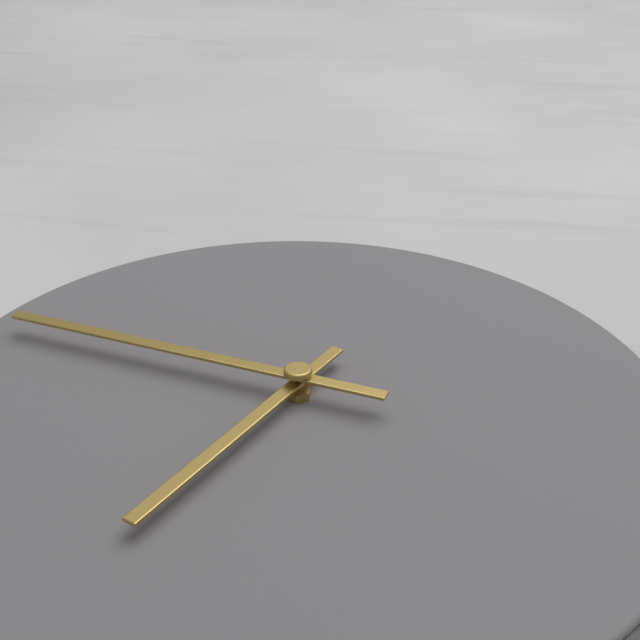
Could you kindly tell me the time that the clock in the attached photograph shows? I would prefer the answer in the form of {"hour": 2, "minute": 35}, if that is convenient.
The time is {"hour": 6, "minute": 47}
